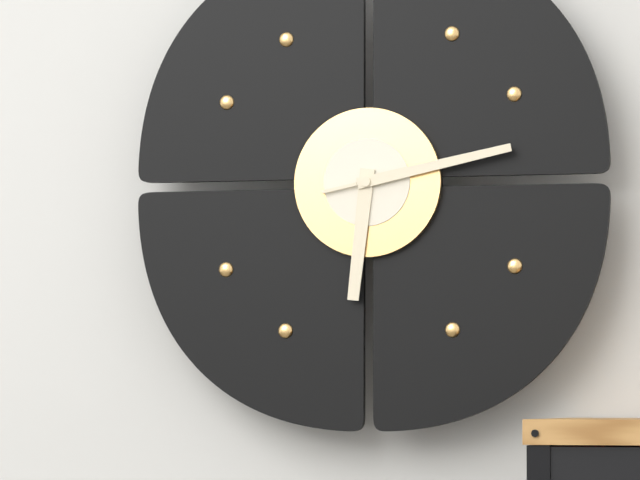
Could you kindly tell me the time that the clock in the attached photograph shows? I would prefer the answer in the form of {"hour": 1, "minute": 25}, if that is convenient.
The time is {"hour": 6, "minute": 13}
